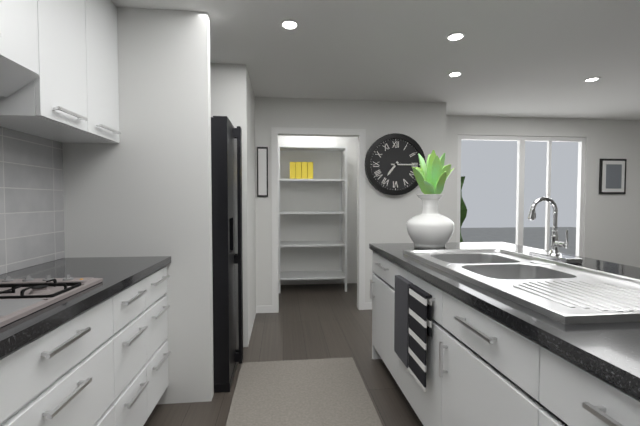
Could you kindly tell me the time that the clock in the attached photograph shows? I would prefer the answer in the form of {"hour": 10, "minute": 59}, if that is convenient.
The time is {"hour": 7, "minute": 15}
